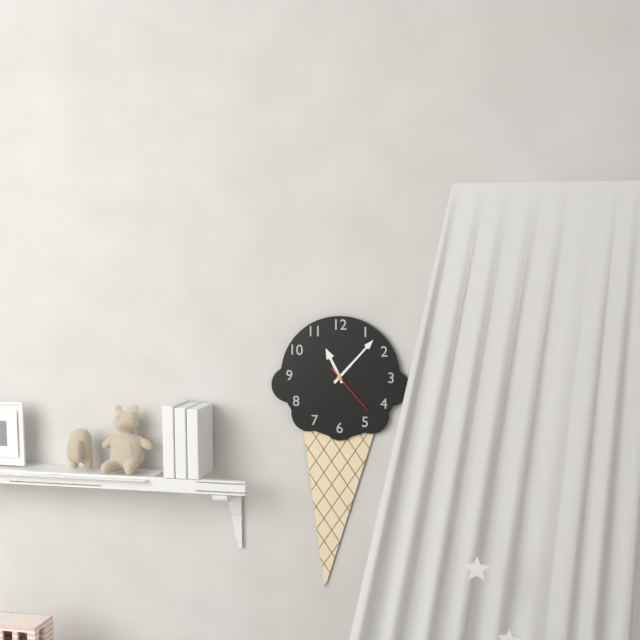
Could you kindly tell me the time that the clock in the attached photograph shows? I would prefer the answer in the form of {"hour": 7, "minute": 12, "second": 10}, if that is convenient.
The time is {"hour": 11, "minute": 7, "second": 23}
